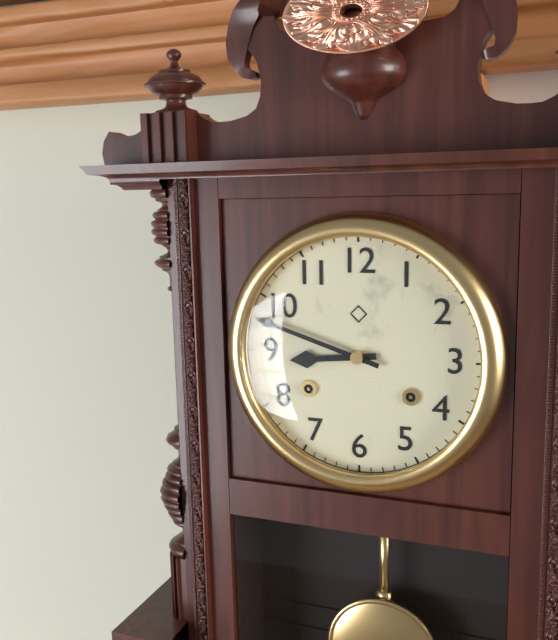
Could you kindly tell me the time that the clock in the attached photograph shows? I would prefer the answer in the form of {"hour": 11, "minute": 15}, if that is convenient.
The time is {"hour": 8, "minute": 48}
